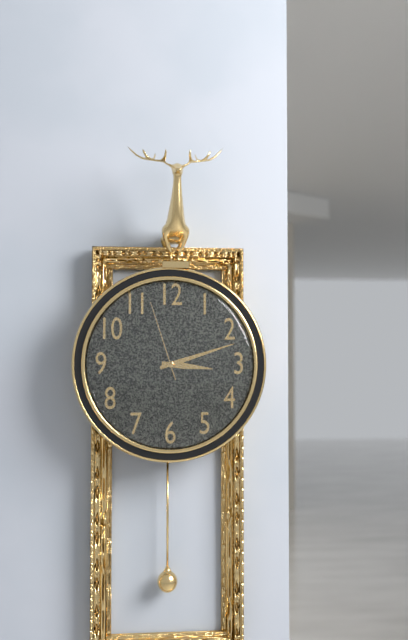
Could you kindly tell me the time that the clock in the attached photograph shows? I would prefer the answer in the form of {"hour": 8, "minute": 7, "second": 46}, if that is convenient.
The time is {"hour": 3, "minute": 12, "second": 57}
